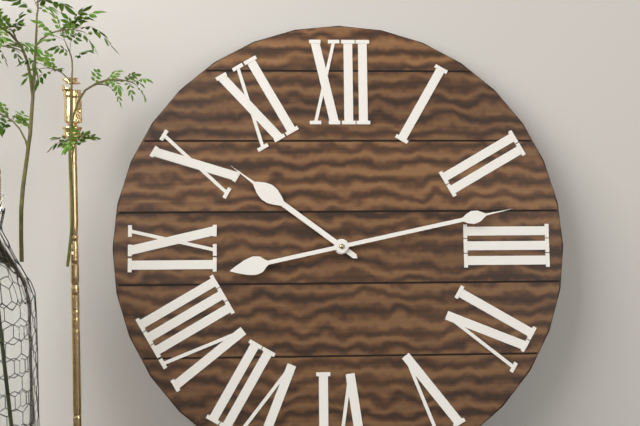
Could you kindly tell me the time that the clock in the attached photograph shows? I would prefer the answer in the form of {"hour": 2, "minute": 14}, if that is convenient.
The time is {"hour": 10, "minute": 13}
